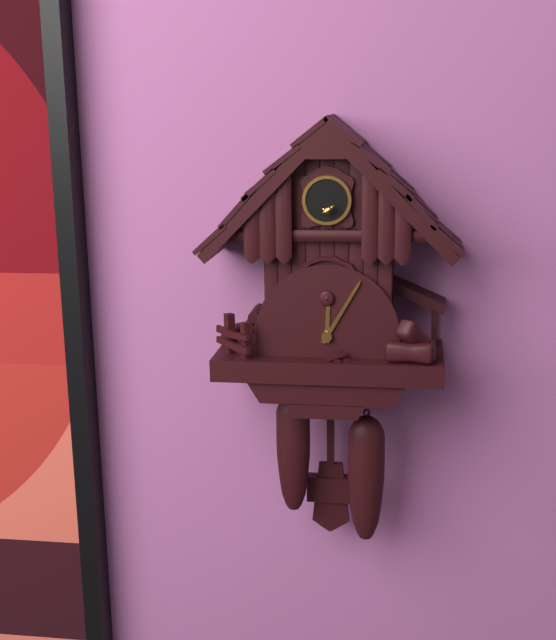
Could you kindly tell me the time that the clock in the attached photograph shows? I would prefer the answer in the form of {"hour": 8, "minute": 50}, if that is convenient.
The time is {"hour": 12, "minute": 5}
